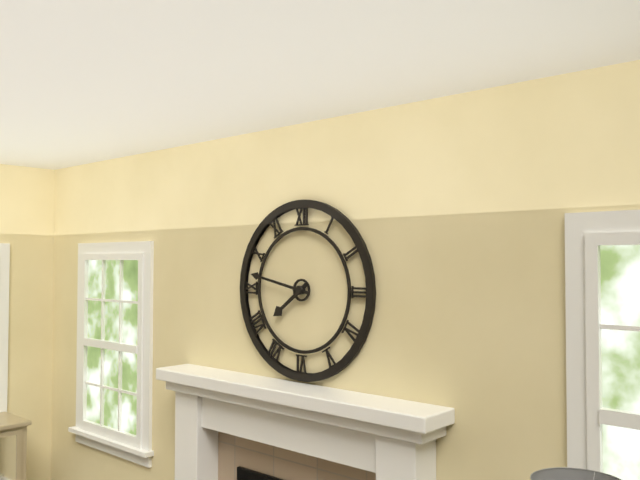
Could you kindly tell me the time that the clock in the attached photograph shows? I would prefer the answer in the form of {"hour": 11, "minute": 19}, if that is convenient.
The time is {"hour": 7, "minute": 47}
